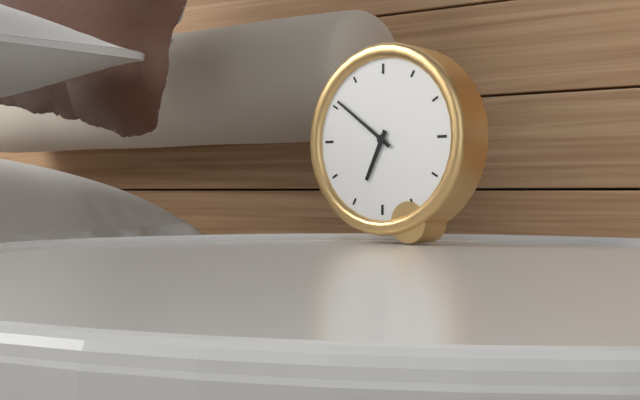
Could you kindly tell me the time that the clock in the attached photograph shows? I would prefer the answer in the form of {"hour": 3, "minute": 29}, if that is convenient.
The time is {"hour": 6, "minute": 51}
